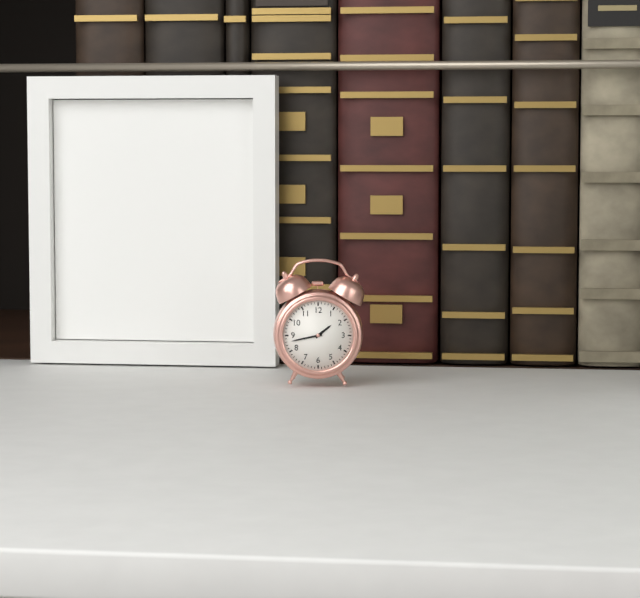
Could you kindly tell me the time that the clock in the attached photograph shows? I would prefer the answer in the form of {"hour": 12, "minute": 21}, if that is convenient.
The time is {"hour": 1, "minute": 43}
